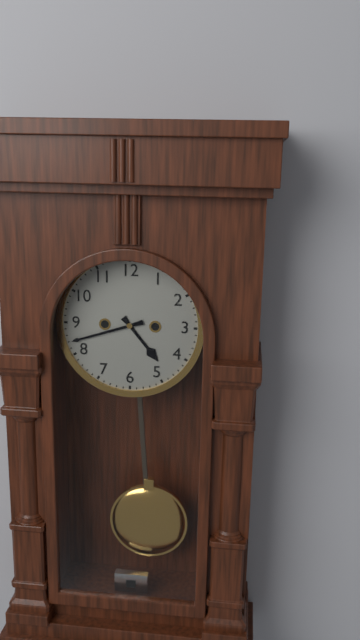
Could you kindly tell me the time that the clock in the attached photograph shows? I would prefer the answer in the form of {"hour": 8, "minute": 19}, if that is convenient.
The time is {"hour": 4, "minute": 42}
